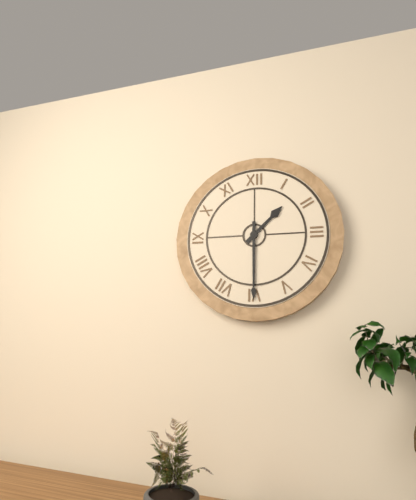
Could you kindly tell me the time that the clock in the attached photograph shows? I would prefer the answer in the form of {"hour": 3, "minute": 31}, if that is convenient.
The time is {"hour": 1, "minute": 30}
